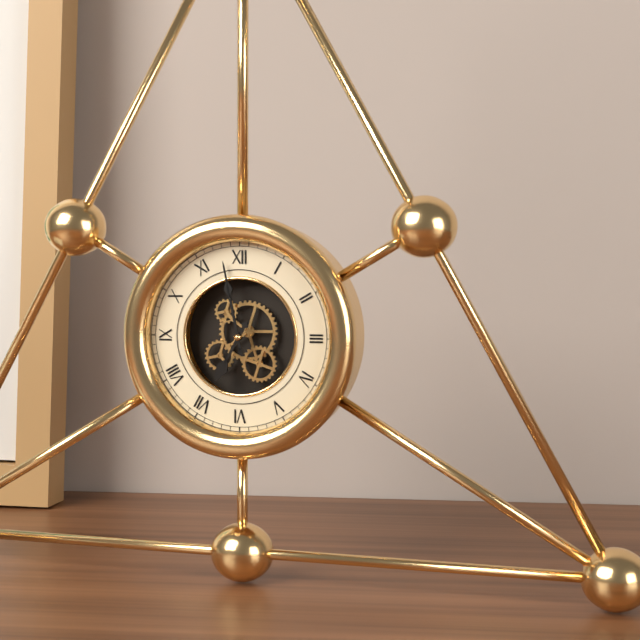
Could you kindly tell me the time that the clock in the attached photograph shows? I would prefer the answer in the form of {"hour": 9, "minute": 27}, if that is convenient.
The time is {"hour": 6, "minute": 58}
